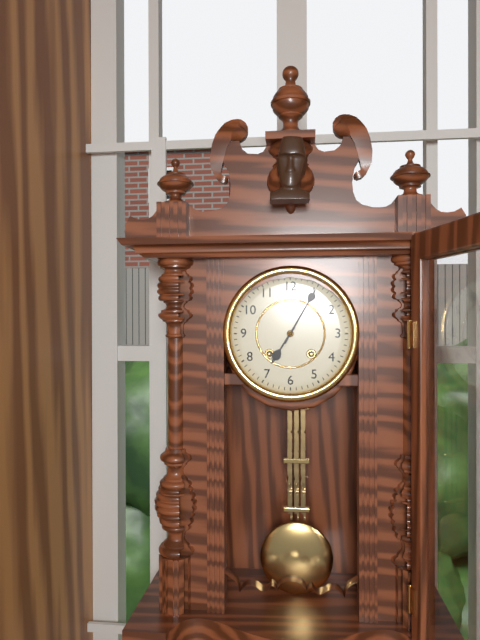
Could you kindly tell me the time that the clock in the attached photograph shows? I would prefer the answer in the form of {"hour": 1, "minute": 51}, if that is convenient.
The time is {"hour": 7, "minute": 5}
